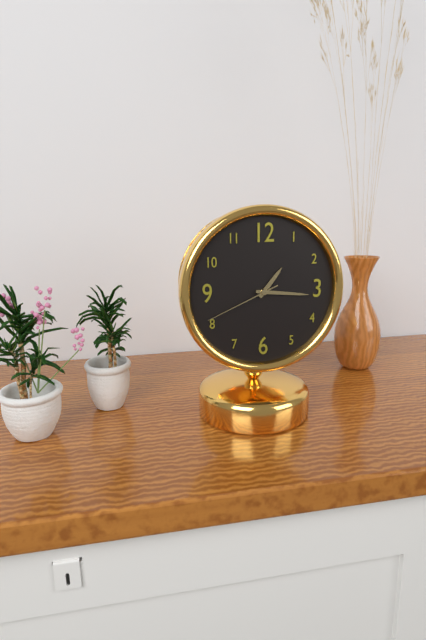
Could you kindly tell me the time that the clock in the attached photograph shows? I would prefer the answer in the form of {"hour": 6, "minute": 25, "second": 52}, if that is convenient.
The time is {"hour": 1, "minute": 16, "second": 41}
